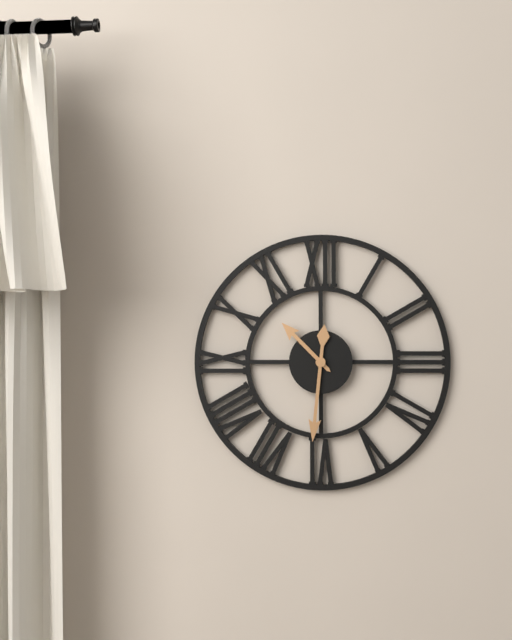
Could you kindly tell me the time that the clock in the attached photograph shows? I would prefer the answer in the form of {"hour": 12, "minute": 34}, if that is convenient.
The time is {"hour": 10, "minute": 31}
